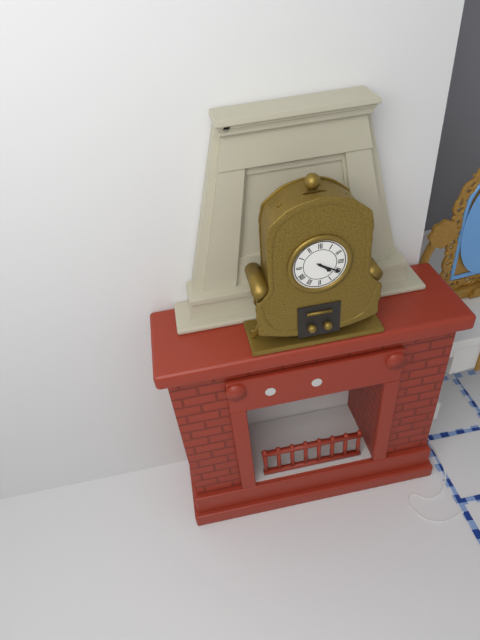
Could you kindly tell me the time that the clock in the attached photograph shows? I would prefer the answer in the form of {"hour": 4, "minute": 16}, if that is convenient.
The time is {"hour": 4, "minute": 20}
